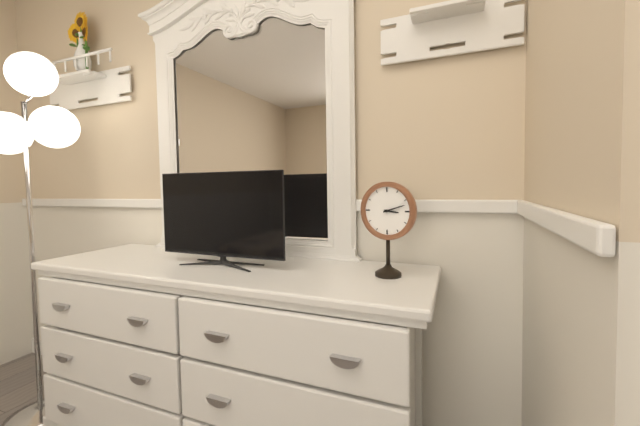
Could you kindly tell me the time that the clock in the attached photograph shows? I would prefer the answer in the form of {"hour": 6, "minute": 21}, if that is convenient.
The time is {"hour": 3, "minute": 12}
